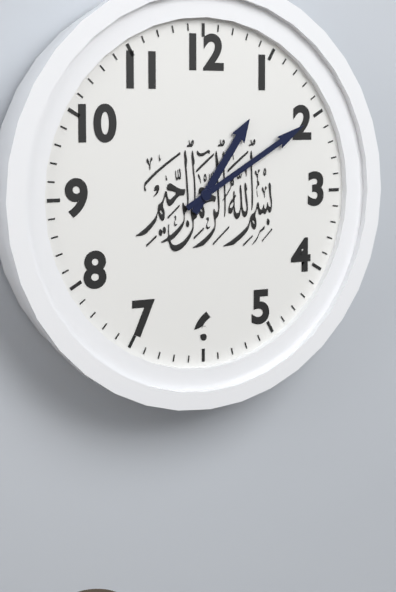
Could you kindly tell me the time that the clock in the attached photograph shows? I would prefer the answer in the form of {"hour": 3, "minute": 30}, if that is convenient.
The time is {"hour": 1, "minute": 10}
